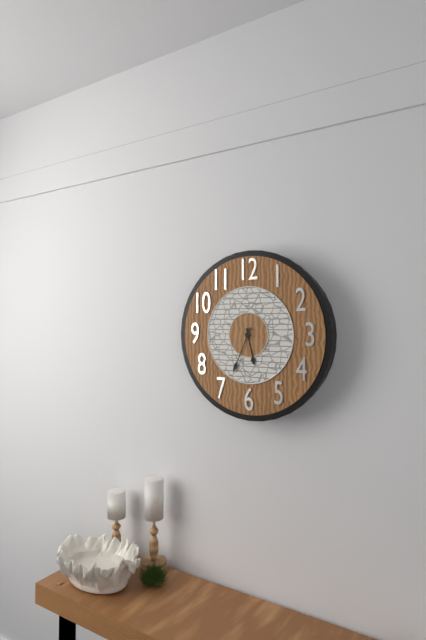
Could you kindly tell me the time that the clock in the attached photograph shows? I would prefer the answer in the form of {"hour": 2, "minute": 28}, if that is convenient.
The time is {"hour": 5, "minute": 34}
